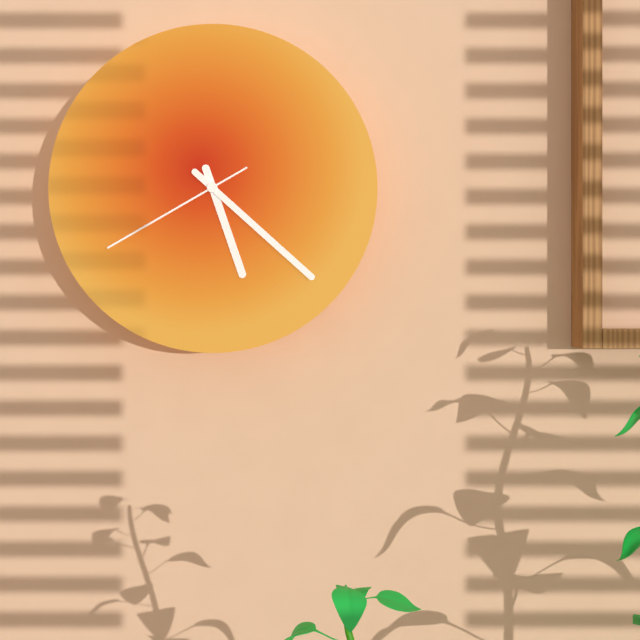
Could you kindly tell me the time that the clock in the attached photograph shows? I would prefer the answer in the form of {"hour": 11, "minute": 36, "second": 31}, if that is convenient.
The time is {"hour": 5, "minute": 22, "second": 40}
